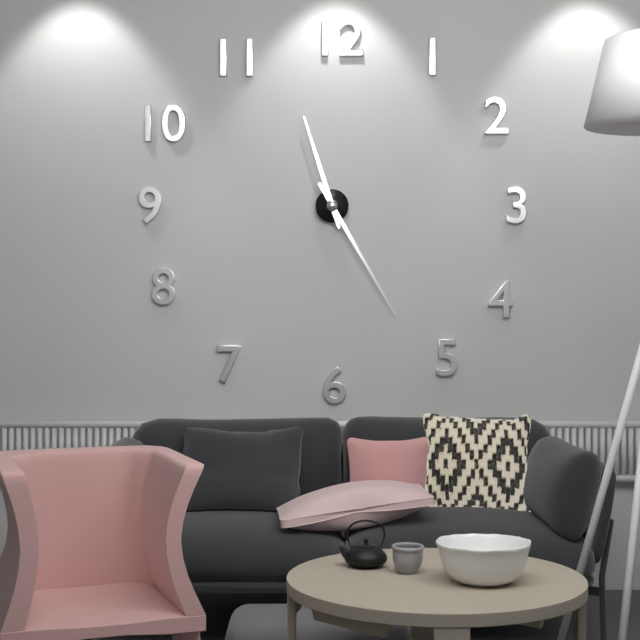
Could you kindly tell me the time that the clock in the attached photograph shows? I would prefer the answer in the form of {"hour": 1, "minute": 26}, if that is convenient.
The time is {"hour": 11, "minute": 25}
